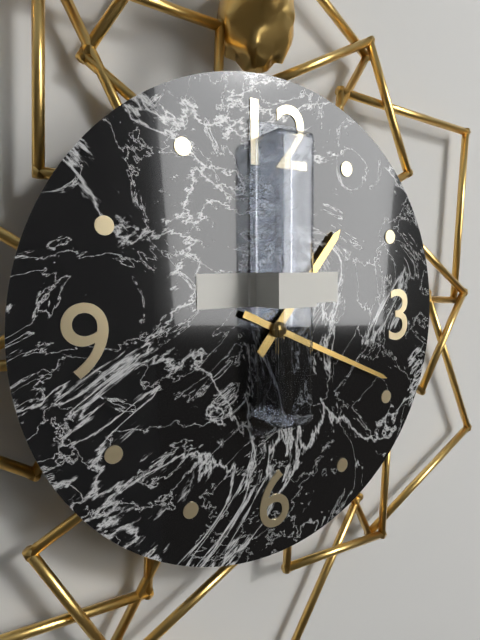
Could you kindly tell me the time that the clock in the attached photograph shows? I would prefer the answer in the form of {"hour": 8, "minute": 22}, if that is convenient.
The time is {"hour": 1, "minute": 19}
